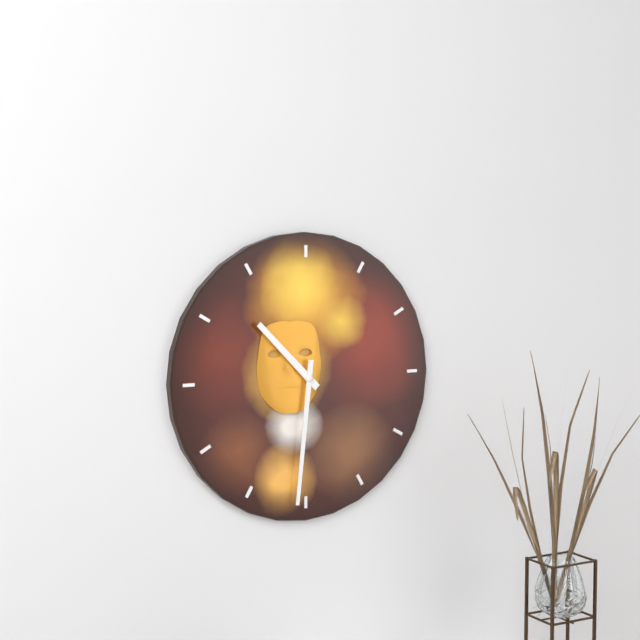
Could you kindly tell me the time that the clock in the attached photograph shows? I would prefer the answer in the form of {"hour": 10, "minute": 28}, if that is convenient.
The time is {"hour": 10, "minute": 31}
